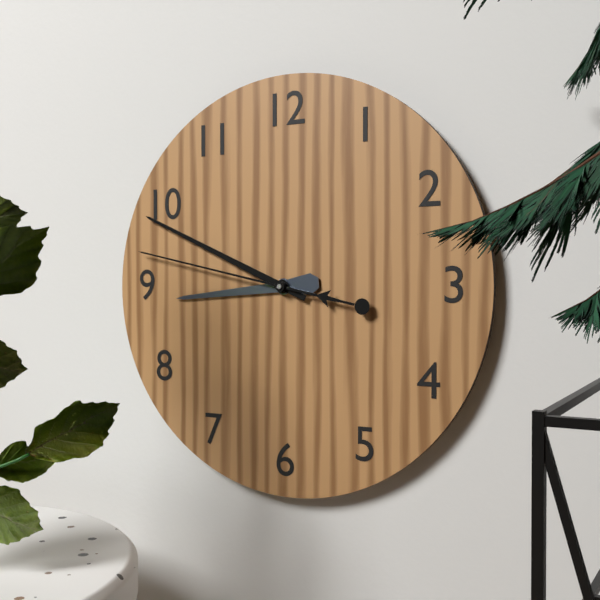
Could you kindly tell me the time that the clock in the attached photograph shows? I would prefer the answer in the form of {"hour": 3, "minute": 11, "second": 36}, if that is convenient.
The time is {"hour": 8, "minute": 49, "second": 47}
